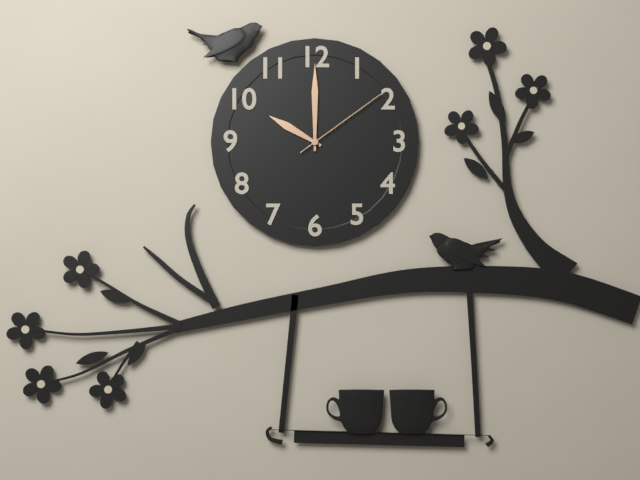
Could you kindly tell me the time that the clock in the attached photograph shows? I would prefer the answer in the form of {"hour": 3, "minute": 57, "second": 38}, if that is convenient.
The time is {"hour": 10, "minute": 0, "second": 9}
